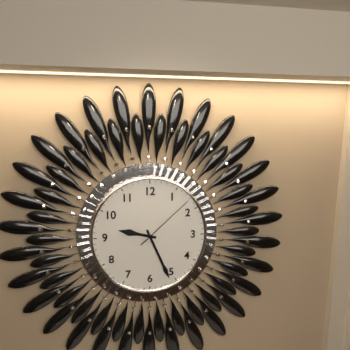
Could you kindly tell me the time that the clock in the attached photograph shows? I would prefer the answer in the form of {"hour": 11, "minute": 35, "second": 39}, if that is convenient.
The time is {"hour": 9, "minute": 26, "second": 8}
